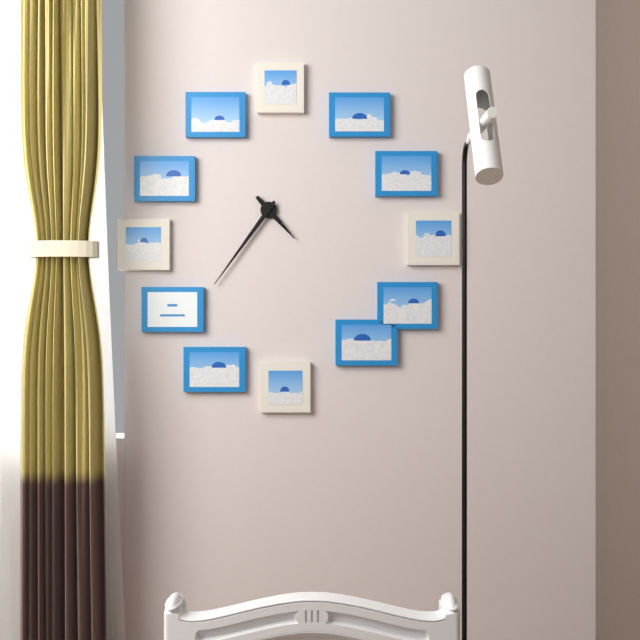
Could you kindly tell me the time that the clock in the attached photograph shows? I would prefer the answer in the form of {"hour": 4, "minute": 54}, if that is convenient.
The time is {"hour": 4, "minute": 36}
